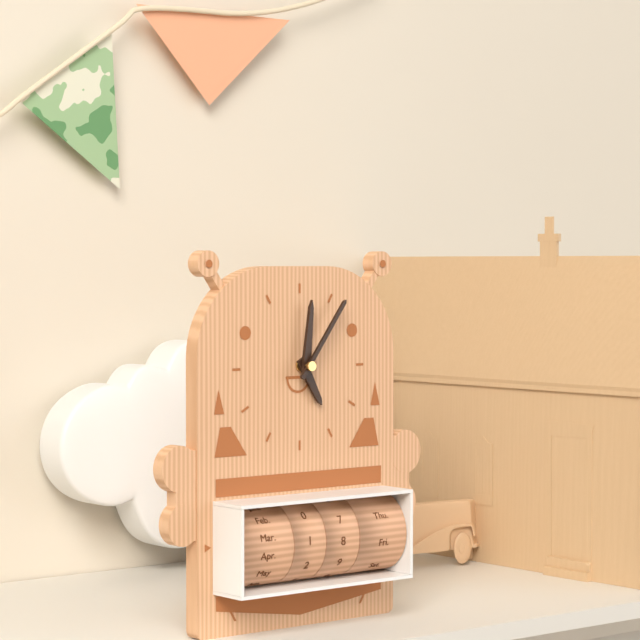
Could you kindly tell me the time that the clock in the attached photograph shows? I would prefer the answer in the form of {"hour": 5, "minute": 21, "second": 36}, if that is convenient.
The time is {"hour": 5, "minute": 1, "second": 6}
